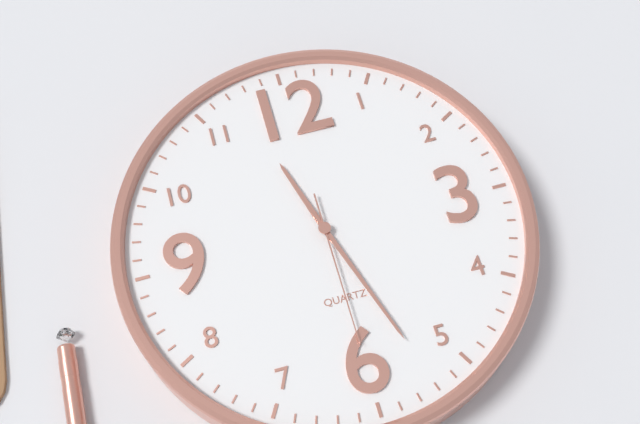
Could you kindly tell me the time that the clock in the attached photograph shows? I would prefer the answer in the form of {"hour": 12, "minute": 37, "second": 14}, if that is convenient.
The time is {"hour": 11, "minute": 27, "second": 30}
